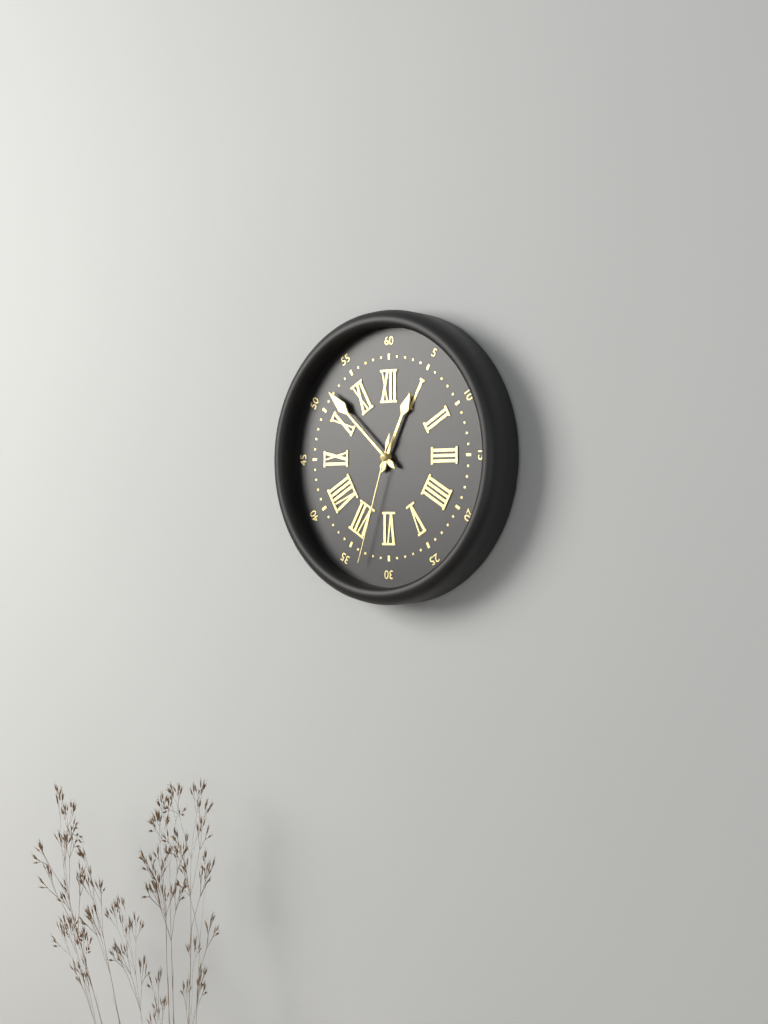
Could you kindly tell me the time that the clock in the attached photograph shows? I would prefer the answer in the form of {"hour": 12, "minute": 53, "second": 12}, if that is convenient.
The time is {"hour": 12, "minute": 52, "second": 33}
